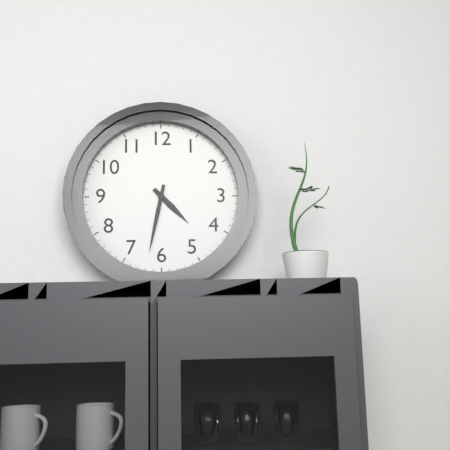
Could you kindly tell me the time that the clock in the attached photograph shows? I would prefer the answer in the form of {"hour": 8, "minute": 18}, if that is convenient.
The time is {"hour": 4, "minute": 32}
